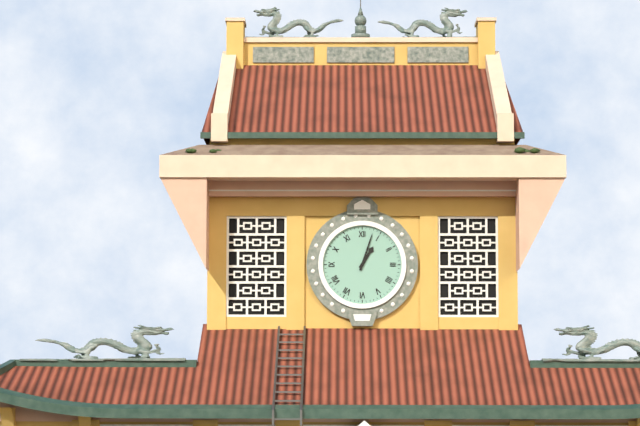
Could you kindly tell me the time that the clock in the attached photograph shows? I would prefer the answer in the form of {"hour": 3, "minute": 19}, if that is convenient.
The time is {"hour": 1, "minute": 3}
